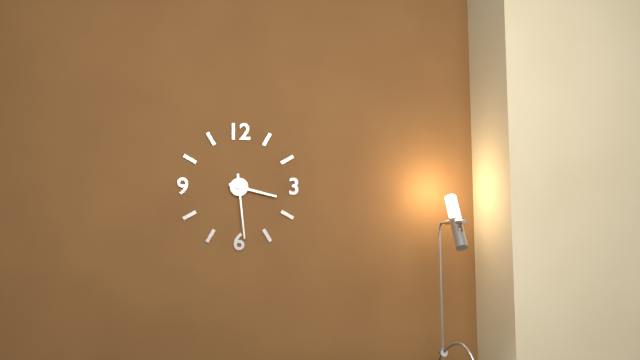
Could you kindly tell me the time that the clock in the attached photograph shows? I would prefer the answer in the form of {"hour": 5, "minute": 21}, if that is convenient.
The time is {"hour": 3, "minute": 29}
